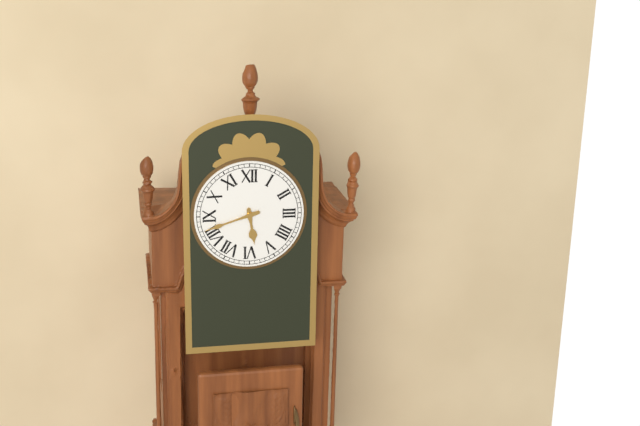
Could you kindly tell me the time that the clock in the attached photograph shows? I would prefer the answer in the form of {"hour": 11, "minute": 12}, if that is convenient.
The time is {"hour": 5, "minute": 42}
